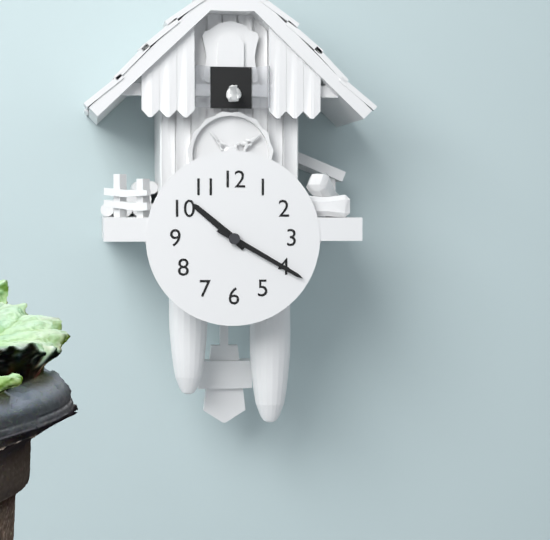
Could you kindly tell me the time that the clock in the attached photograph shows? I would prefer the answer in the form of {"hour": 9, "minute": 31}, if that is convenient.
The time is {"hour": 10, "minute": 20}
